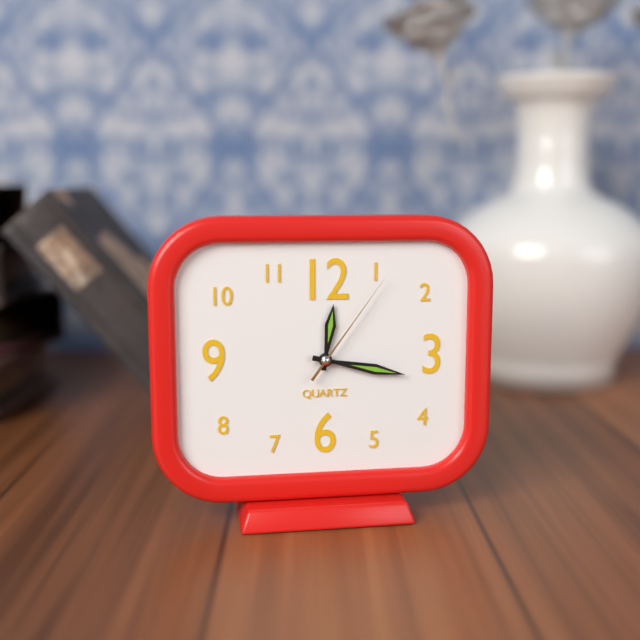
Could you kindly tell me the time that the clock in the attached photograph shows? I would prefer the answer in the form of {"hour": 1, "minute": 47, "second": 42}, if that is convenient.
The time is {"hour": 12, "minute": 17, "second": 6}
